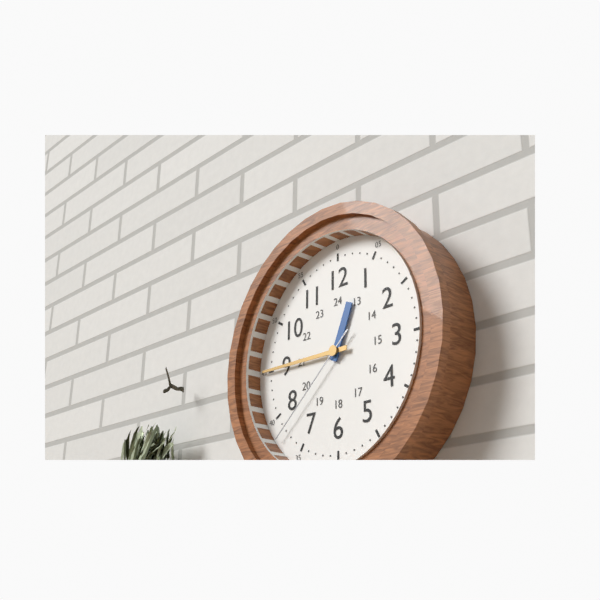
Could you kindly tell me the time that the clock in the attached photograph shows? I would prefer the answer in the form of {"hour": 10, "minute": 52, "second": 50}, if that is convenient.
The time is {"hour": 12, "minute": 45, "second": 38}
